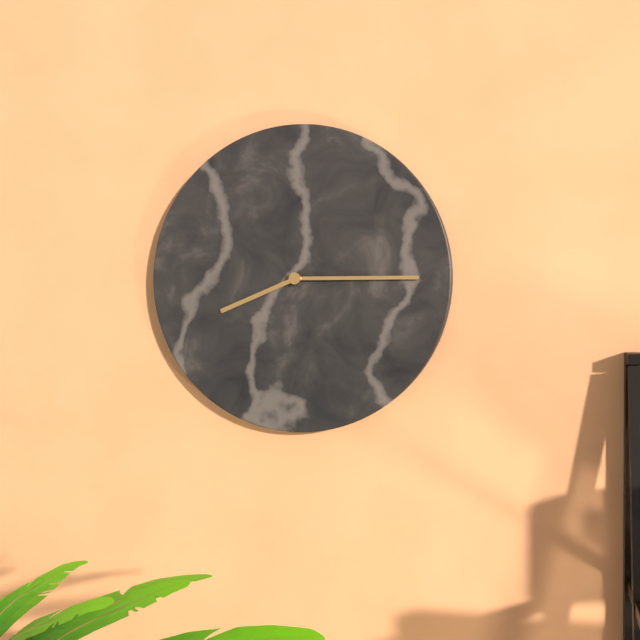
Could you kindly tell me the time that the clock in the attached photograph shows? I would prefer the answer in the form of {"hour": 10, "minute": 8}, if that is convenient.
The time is {"hour": 8, "minute": 15}
